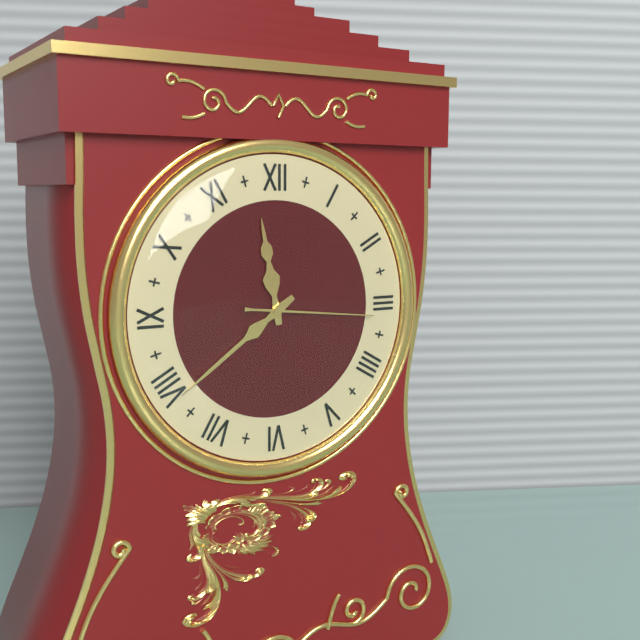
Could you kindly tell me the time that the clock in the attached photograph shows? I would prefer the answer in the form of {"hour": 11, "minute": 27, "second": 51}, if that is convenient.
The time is {"hour": 11, "minute": 39, "second": 16}
